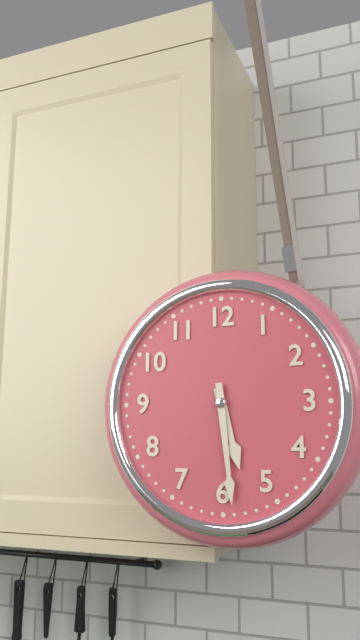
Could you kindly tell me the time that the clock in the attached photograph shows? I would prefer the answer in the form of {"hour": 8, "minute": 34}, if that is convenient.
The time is {"hour": 5, "minute": 29}
